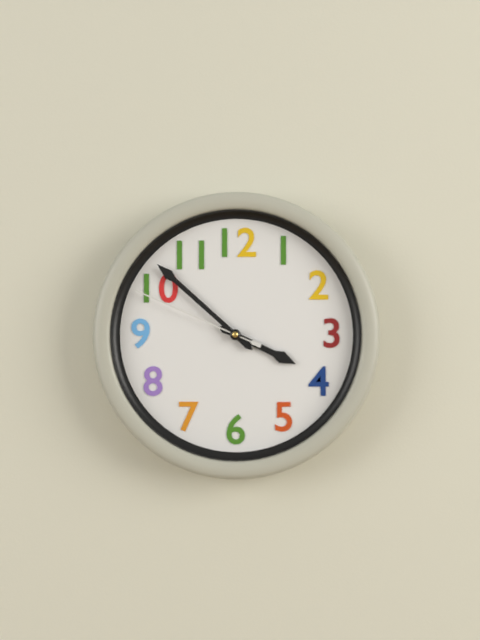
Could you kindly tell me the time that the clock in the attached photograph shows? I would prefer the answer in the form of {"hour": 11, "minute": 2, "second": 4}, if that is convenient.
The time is {"hour": 3, "minute": 52, "second": 49}
